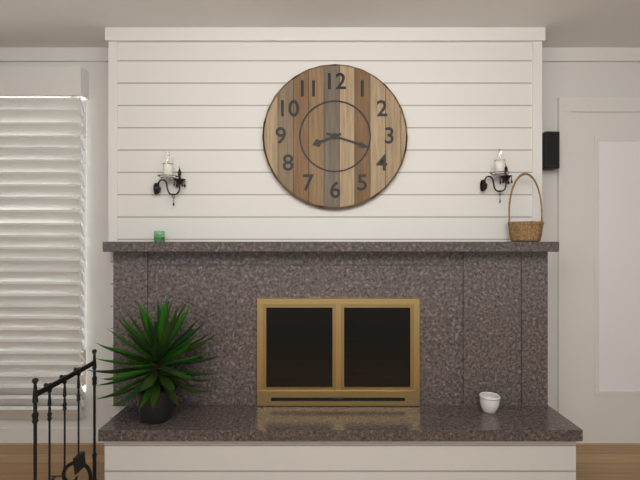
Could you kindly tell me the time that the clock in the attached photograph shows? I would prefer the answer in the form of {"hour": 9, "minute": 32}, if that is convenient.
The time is {"hour": 8, "minute": 18}
